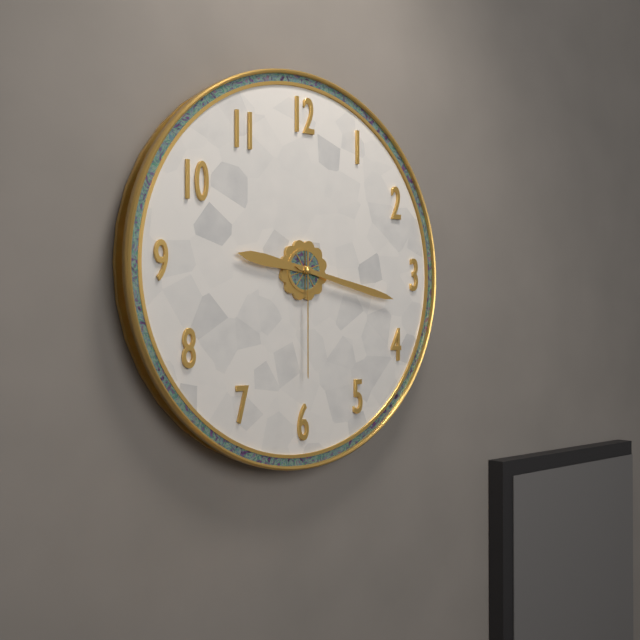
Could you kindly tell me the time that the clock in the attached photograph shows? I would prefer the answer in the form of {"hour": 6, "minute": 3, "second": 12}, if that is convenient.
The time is {"hour": 9, "minute": 17, "second": 30}
